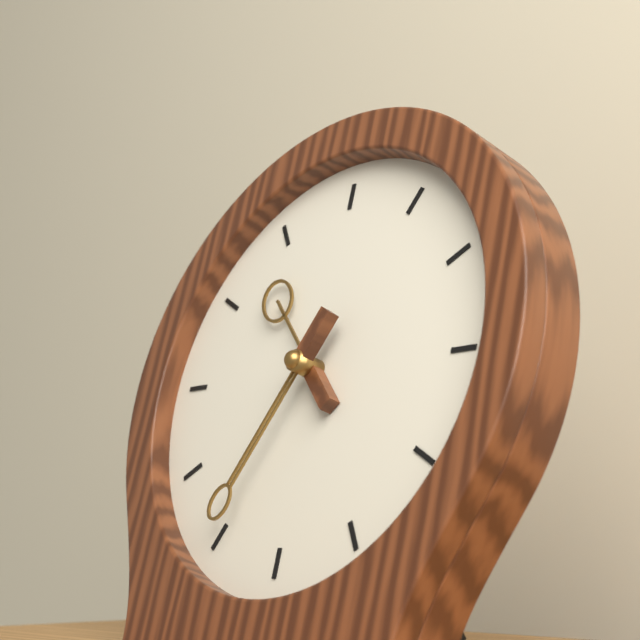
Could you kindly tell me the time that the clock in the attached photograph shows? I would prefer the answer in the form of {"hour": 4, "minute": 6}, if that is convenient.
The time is {"hour": 10, "minute": 35}
